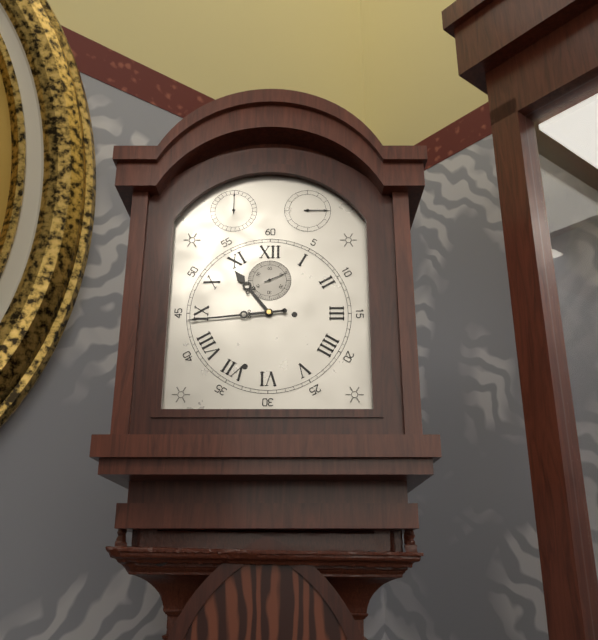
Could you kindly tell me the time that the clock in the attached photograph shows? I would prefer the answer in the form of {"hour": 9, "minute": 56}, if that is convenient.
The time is {"hour": 10, "minute": 44}
